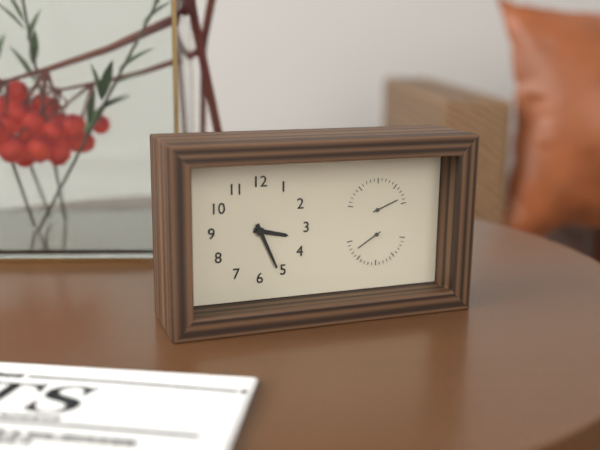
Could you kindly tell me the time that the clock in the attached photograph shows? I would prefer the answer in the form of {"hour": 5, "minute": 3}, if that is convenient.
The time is {"hour": 3, "minute": 26}
